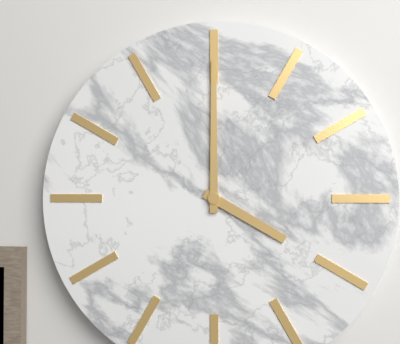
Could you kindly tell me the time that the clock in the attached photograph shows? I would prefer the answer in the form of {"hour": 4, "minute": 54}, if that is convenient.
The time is {"hour": 4, "minute": 0}
